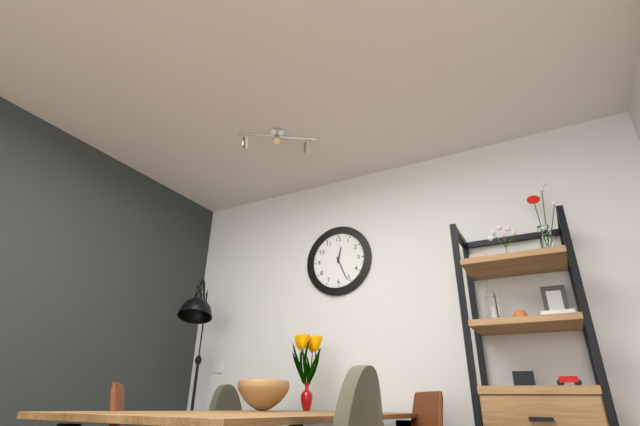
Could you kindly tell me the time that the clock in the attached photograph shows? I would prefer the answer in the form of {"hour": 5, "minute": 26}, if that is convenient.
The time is {"hour": 12, "minute": 26}
